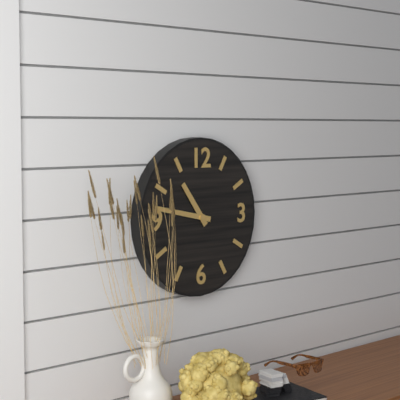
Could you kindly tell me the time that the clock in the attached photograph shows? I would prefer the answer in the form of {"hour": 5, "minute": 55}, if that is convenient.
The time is {"hour": 10, "minute": 47}
